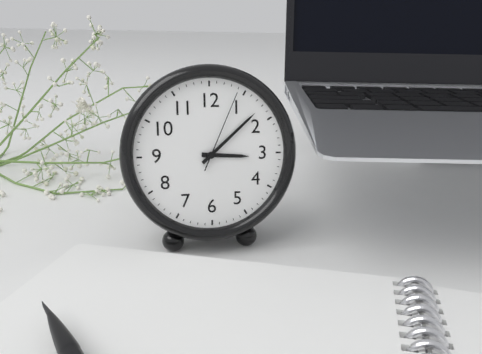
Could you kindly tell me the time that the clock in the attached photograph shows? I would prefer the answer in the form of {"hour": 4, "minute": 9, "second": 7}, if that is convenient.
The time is {"hour": 3, "minute": 8, "second": 4}
